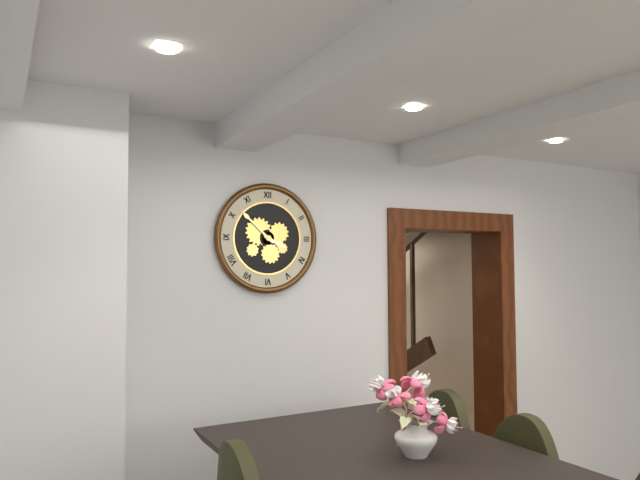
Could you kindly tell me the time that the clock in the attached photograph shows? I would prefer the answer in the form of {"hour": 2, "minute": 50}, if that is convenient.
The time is {"hour": 3, "minute": 52}
